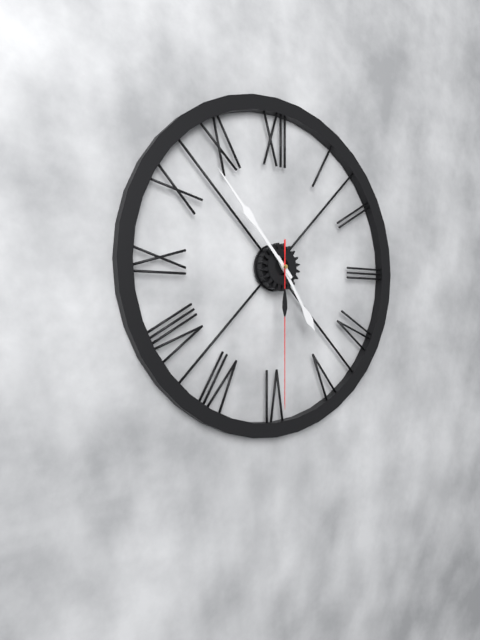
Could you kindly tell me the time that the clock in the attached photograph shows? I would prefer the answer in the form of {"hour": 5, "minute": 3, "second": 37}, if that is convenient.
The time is {"hour": 4, "minute": 53, "second": 30}
